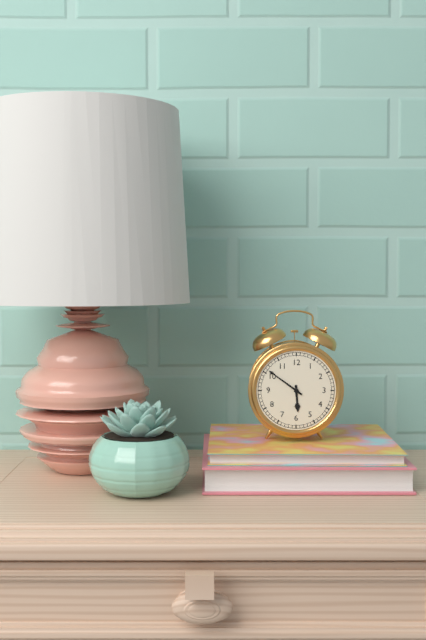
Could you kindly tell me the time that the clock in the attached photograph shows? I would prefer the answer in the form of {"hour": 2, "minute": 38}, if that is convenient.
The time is {"hour": 5, "minute": 51}
